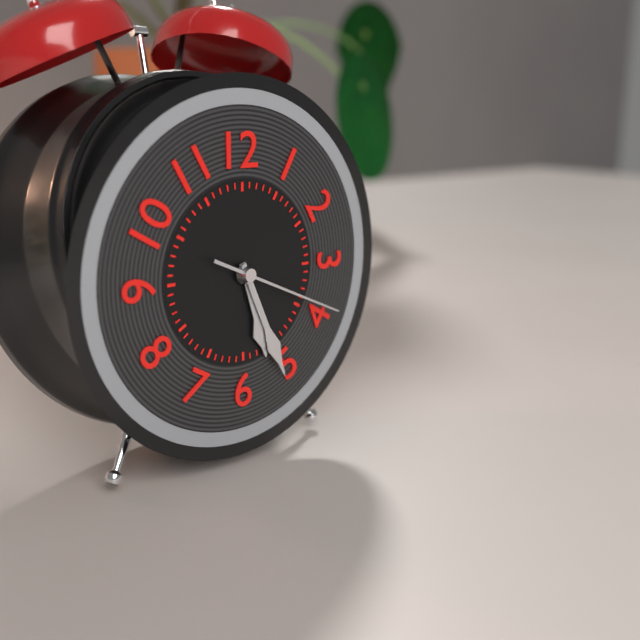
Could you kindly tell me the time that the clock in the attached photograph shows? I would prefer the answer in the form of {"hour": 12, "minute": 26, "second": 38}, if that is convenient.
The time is {"hour": 5, "minute": 26, "second": 19}
